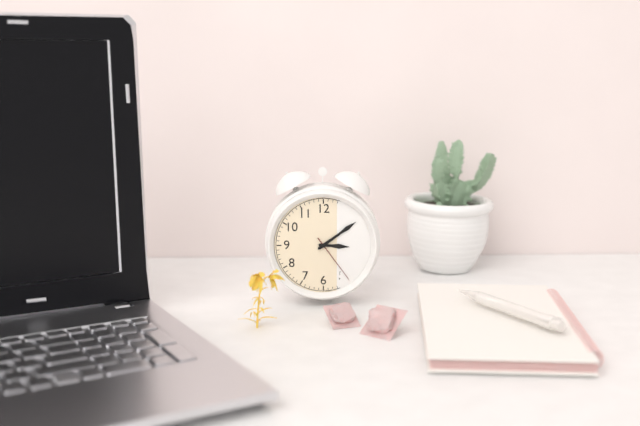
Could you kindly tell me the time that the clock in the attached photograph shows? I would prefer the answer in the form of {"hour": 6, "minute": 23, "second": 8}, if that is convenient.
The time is {"hour": 3, "minute": 9, "second": 24}
